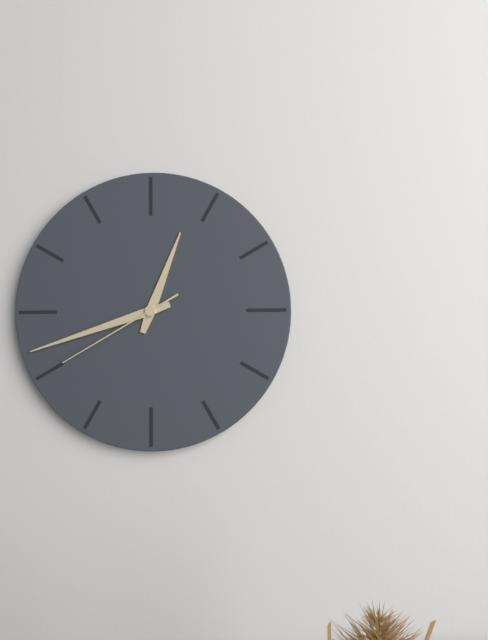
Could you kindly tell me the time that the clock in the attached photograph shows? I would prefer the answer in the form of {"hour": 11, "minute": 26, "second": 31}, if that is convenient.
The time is {"hour": 12, "minute": 42, "second": 40}
